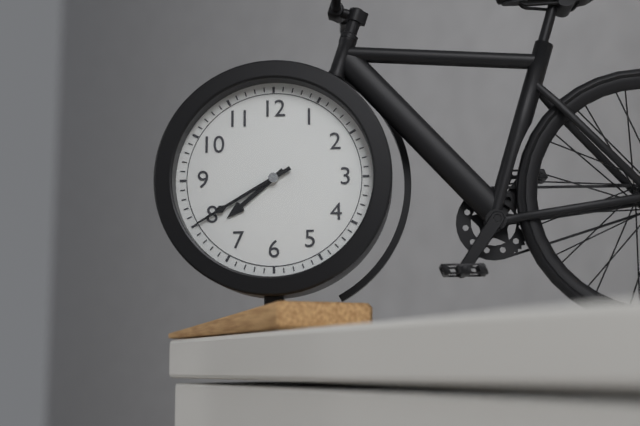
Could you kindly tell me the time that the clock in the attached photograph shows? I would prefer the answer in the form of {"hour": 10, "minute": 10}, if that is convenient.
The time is {"hour": 7, "minute": 40}
